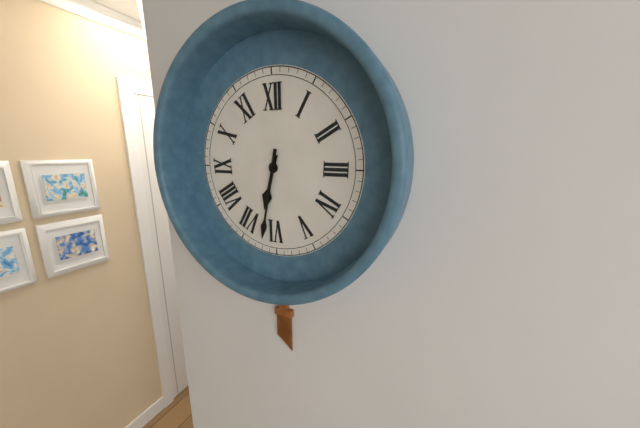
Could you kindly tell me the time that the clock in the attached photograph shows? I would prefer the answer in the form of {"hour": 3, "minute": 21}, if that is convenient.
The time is {"hour": 6, "minute": 32}
